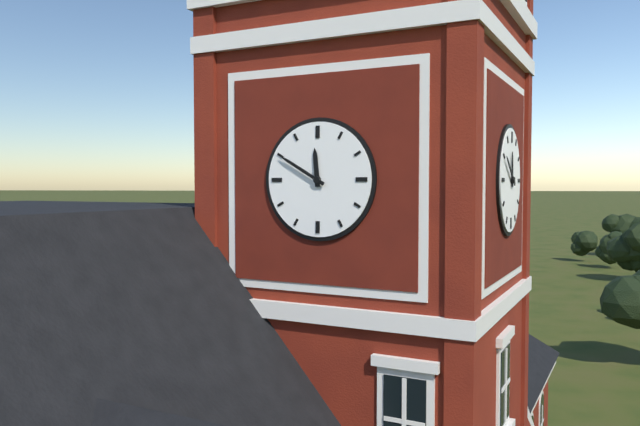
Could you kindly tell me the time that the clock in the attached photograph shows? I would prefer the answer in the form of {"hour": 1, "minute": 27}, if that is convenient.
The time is {"hour": 11, "minute": 50}
